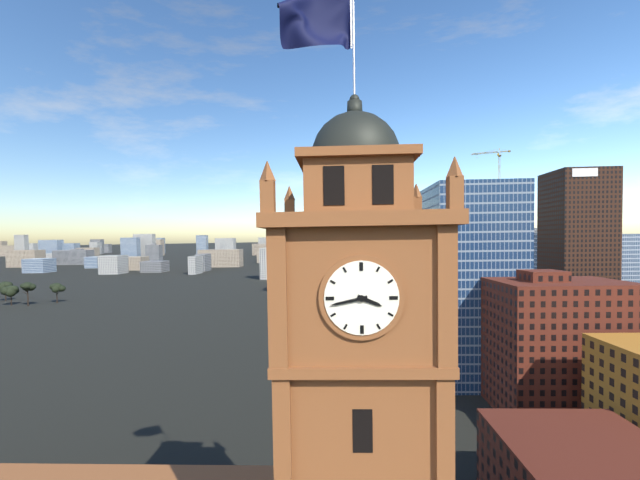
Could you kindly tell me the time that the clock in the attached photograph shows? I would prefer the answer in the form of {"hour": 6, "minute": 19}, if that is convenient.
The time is {"hour": 3, "minute": 43}
